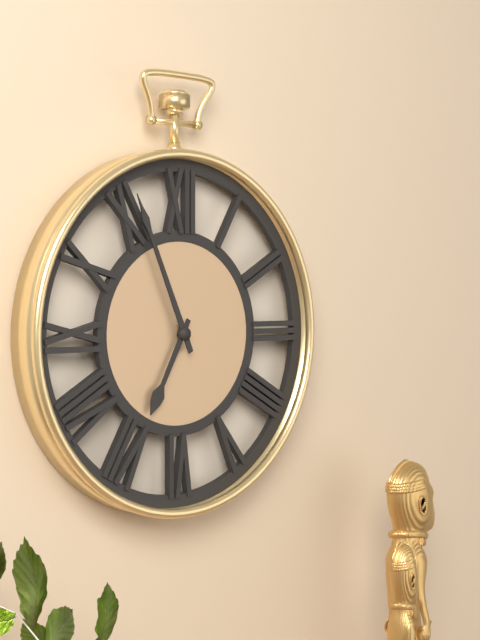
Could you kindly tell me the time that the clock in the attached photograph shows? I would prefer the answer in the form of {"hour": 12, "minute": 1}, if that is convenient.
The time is {"hour": 6, "minute": 56}
